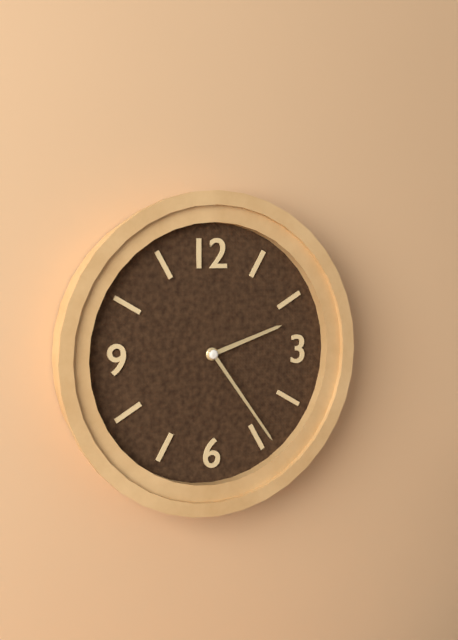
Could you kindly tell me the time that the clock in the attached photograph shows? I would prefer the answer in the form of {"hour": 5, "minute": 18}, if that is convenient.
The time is {"hour": 2, "minute": 24}
